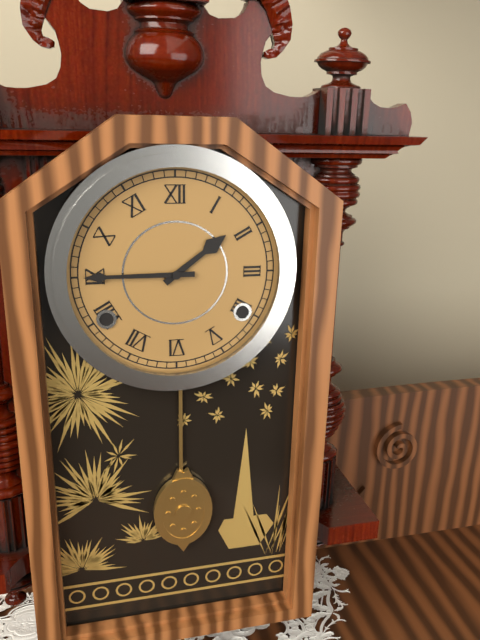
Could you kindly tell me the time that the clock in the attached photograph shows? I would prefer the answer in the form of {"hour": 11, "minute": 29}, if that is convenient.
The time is {"hour": 1, "minute": 45}
